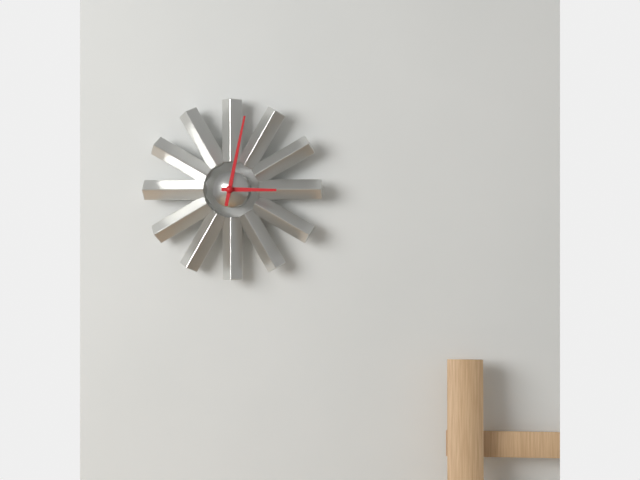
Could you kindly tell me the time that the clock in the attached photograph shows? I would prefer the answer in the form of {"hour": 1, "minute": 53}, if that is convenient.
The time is {"hour": 3, "minute": 2}
